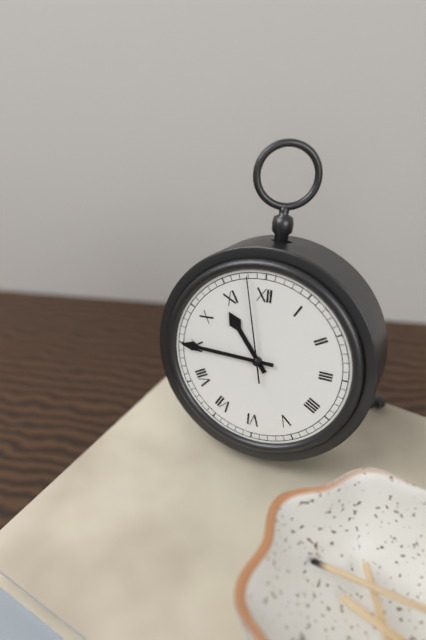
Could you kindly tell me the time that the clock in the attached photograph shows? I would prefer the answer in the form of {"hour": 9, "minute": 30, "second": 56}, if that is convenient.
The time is {"hour": 10, "minute": 45, "second": 58}
